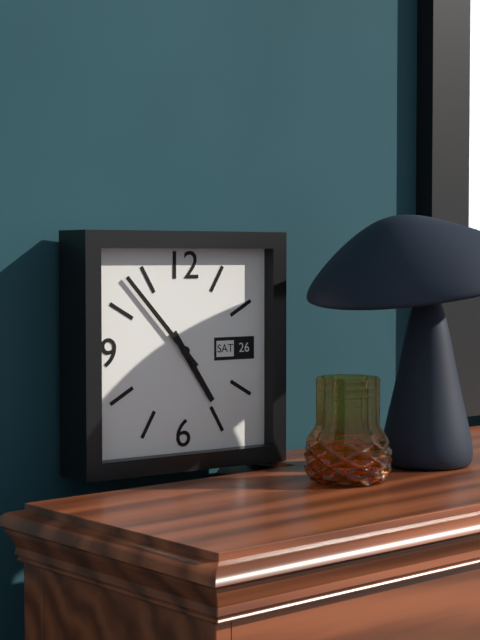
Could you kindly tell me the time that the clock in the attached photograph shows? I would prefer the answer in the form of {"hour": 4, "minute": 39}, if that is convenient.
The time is {"hour": 4, "minute": 53}
